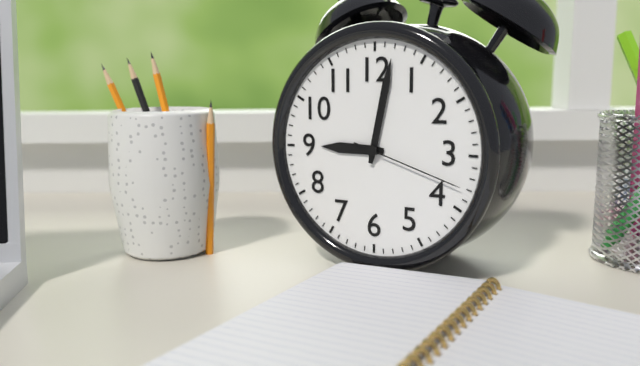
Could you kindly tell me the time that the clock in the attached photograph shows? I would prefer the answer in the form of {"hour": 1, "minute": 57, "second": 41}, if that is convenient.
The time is {"hour": 9, "minute": 2, "second": 18}
